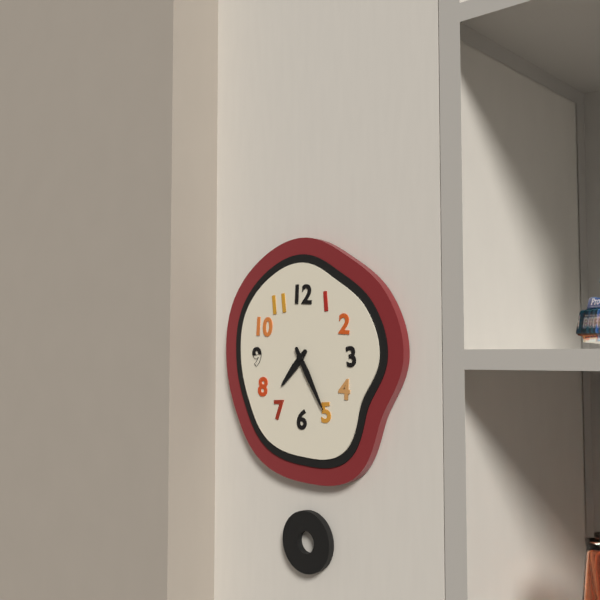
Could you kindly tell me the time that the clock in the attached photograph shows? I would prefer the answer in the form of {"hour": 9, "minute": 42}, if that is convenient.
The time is {"hour": 7, "minute": 25}
